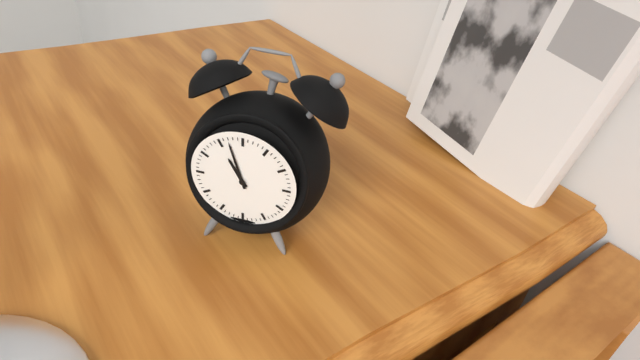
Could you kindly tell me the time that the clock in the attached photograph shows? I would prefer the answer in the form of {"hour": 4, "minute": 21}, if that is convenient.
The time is {"hour": 10, "minute": 57}
